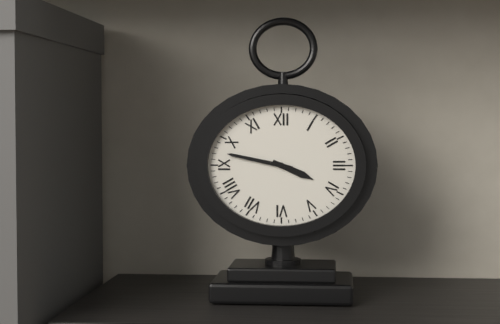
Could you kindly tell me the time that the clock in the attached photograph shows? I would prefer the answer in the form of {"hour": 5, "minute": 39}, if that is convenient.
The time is {"hour": 3, "minute": 47}
